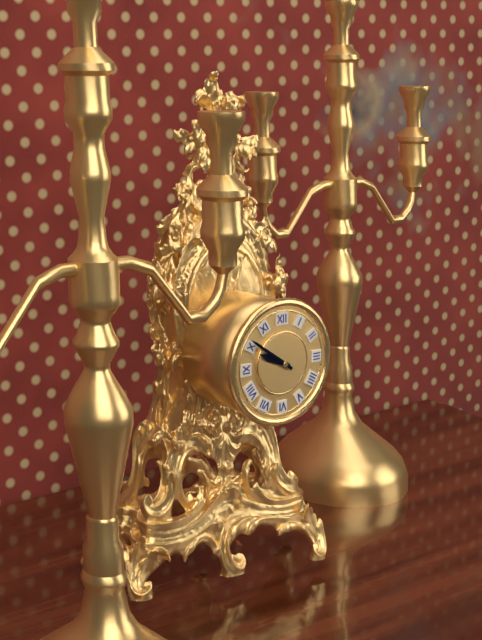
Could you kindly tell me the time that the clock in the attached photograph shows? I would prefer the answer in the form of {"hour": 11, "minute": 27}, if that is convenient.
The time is {"hour": 9, "minute": 51}
